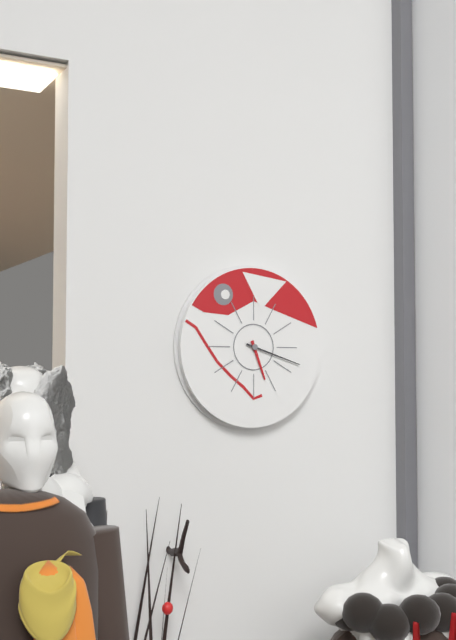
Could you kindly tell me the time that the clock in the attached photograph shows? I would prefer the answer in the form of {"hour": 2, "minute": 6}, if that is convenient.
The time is {"hour": 5, "minute": 18}
